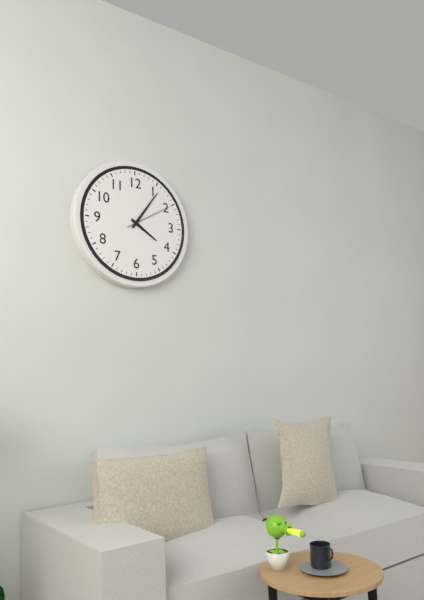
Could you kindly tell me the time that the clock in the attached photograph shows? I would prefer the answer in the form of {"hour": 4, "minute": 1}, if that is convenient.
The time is {"hour": 4, "minute": 6}
